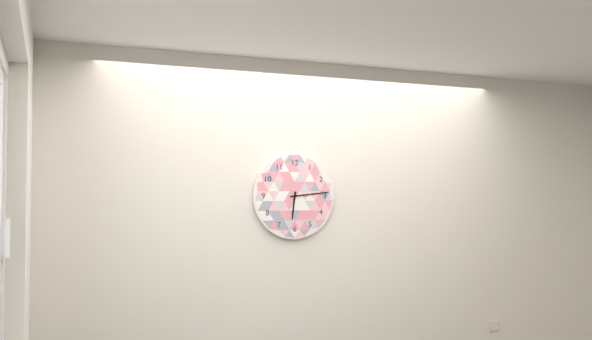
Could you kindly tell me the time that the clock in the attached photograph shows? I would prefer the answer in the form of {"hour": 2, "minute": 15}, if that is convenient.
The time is {"hour": 6, "minute": 14}
